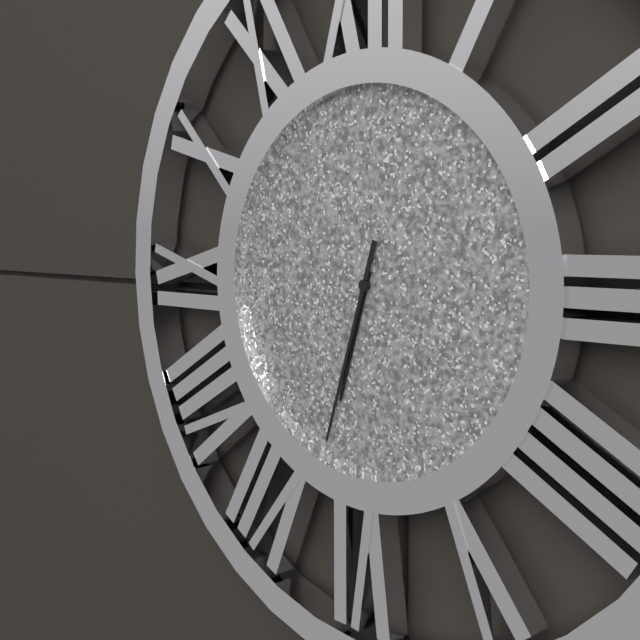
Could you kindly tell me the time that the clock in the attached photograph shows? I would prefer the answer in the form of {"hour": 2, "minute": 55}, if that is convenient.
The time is {"hour": 6, "minute": 33}
